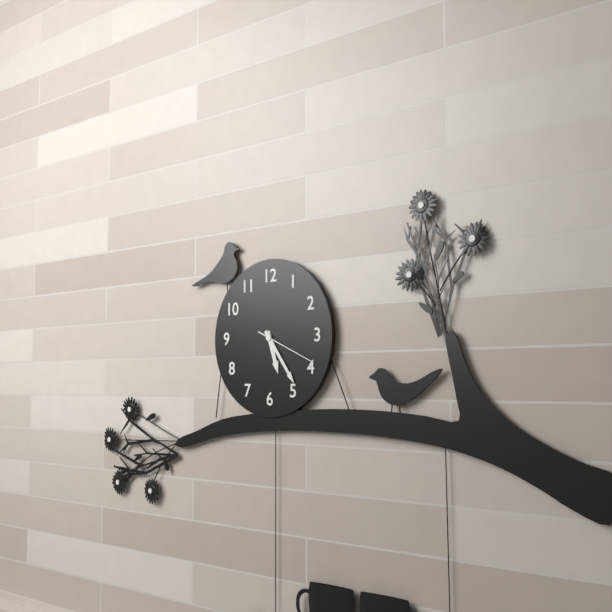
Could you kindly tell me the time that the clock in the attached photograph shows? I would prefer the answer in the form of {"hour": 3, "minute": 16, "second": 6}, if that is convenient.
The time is {"hour": 5, "minute": 24, "second": 19}
